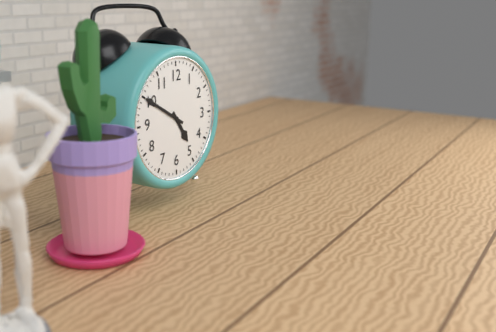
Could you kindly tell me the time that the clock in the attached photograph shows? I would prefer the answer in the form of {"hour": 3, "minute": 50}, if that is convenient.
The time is {"hour": 4, "minute": 50}
